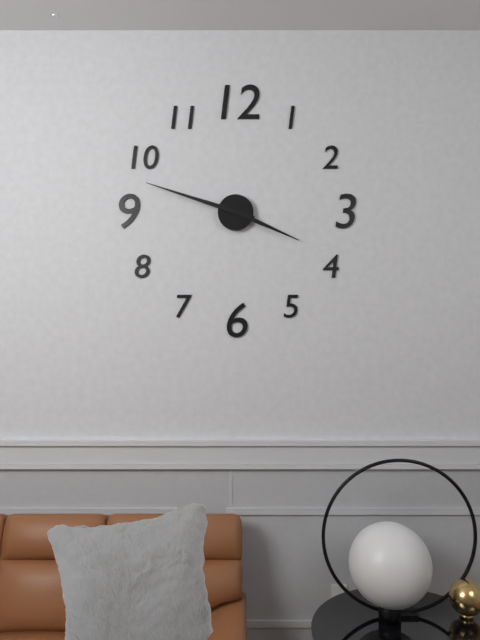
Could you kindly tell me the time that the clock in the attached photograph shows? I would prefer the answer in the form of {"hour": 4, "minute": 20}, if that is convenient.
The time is {"hour": 3, "minute": 48}
